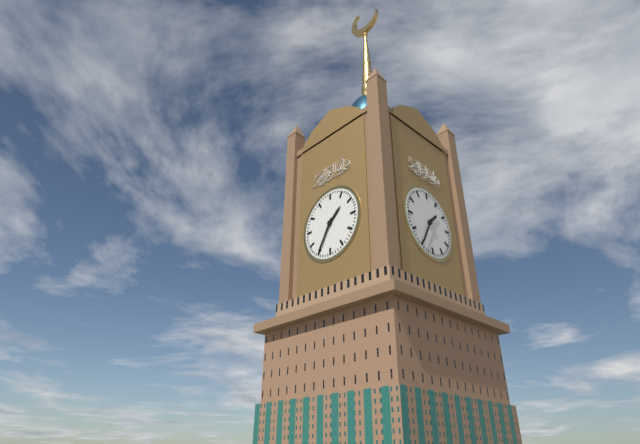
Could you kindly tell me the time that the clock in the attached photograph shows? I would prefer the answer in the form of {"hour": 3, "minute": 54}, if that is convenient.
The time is {"hour": 1, "minute": 35}
